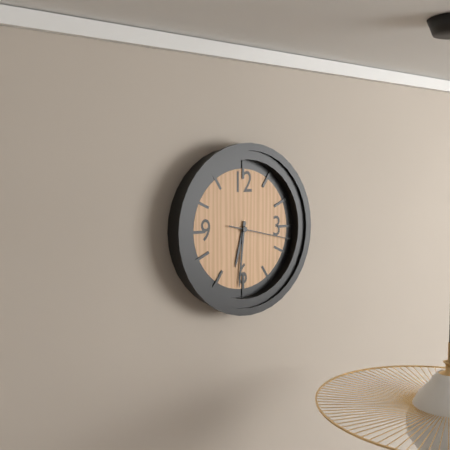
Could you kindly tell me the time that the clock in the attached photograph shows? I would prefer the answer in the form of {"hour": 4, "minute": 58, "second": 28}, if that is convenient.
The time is {"hour": 6, "minute": 31, "second": 17}
